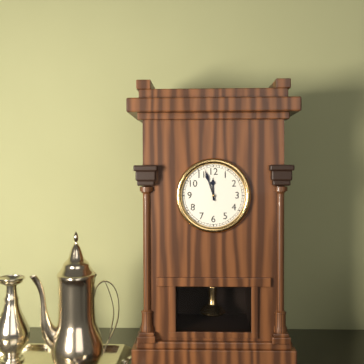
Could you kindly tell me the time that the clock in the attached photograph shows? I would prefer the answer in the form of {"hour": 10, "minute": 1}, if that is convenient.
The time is {"hour": 11, "minute": 57}
